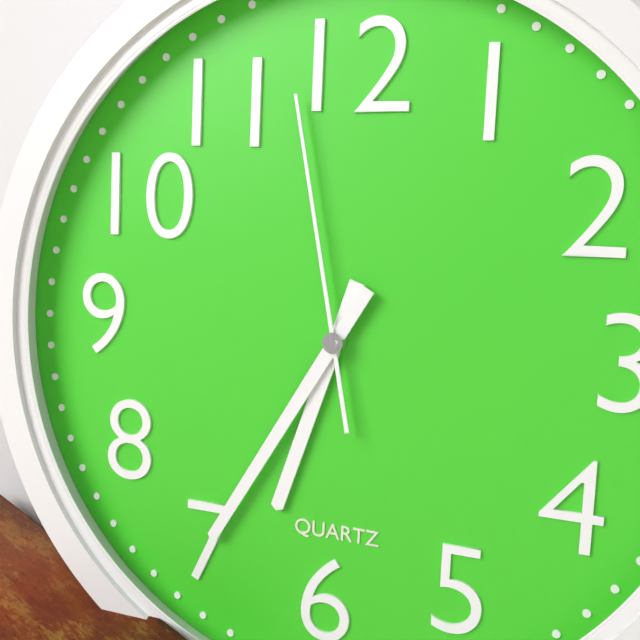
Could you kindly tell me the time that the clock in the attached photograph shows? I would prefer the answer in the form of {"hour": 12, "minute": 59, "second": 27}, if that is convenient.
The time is {"hour": 6, "minute": 35, "second": 58}
